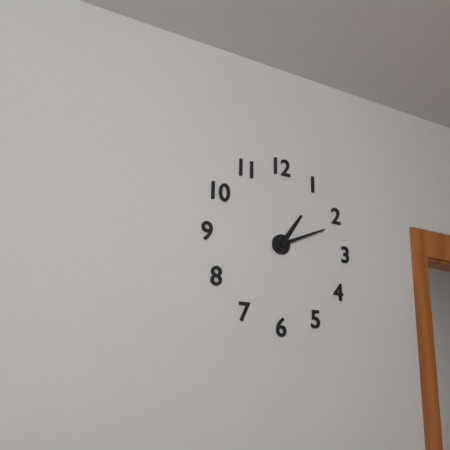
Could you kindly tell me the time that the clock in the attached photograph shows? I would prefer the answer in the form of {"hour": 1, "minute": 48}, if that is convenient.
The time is {"hour": 1, "minute": 11}
